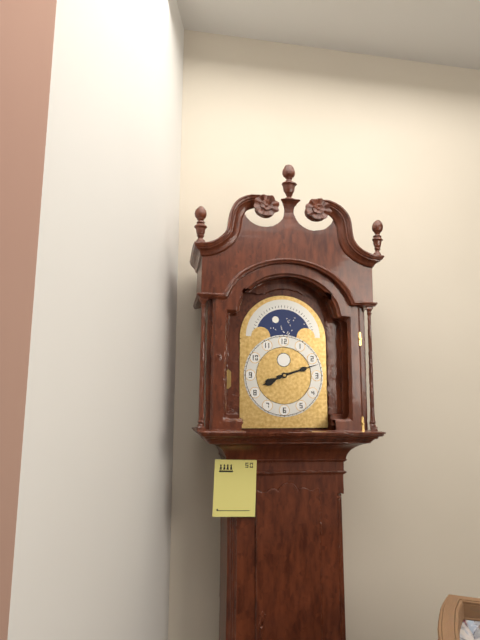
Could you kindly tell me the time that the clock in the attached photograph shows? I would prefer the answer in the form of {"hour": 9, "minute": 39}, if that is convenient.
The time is {"hour": 8, "minute": 12}
